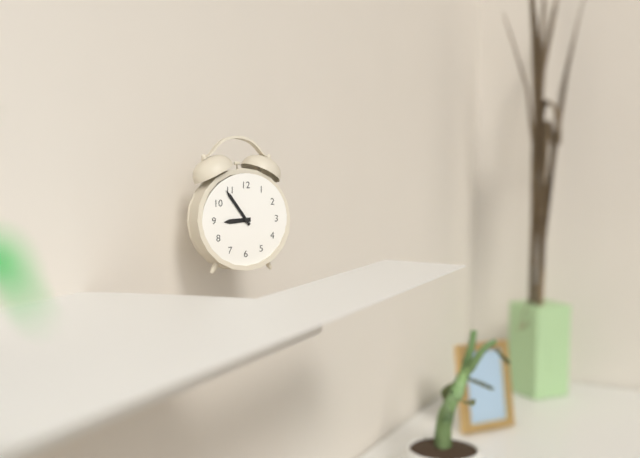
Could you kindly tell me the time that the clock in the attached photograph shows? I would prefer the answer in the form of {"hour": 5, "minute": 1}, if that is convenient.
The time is {"hour": 8, "minute": 54}
